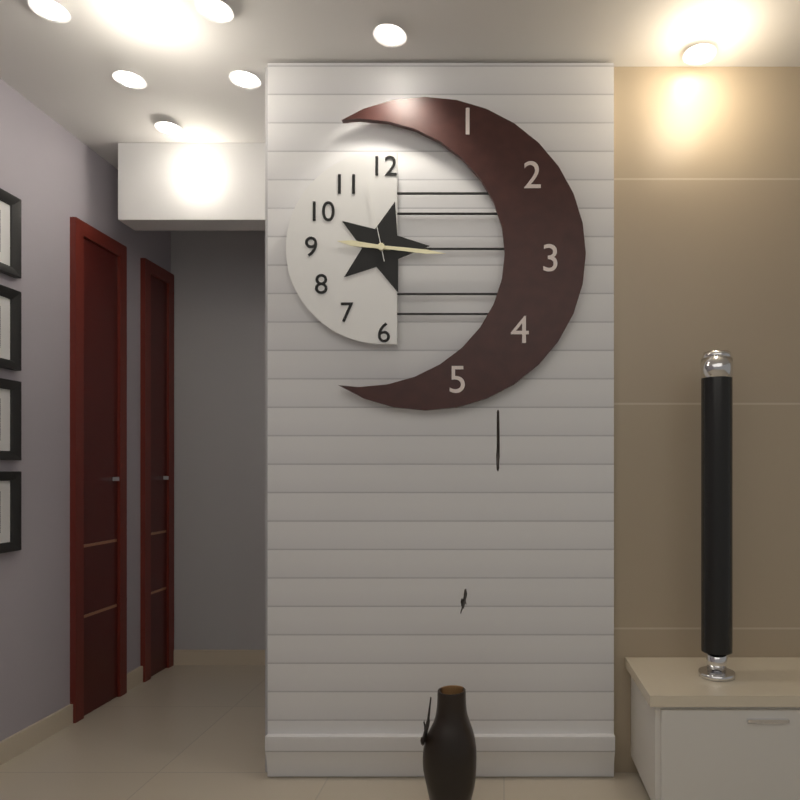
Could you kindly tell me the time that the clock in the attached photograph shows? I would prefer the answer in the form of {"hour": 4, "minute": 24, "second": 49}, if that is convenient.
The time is {"hour": 9, "minute": 16, "second": 58}
